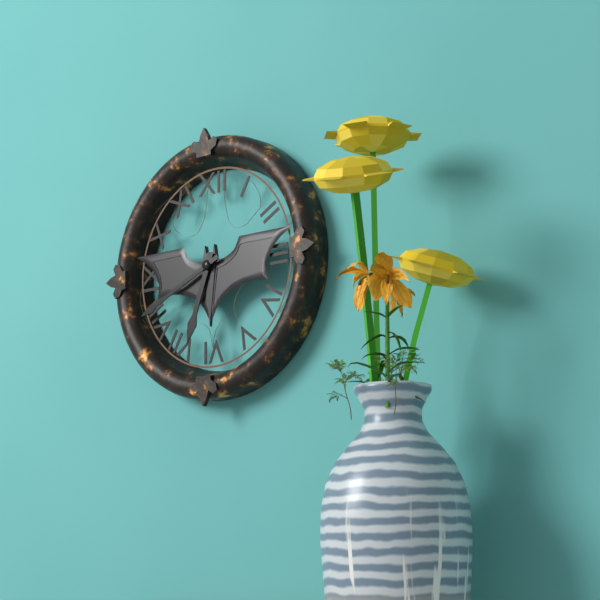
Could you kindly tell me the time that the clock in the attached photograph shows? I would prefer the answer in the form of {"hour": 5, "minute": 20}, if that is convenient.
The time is {"hour": 6, "minute": 41}
